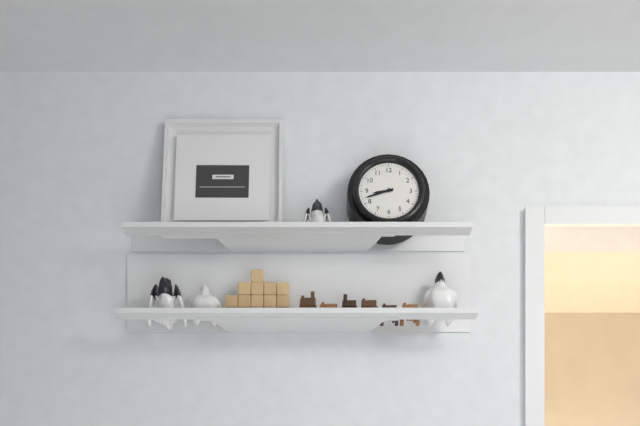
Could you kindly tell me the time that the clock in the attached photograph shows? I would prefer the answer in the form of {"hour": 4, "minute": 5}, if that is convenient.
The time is {"hour": 8, "minute": 42}
